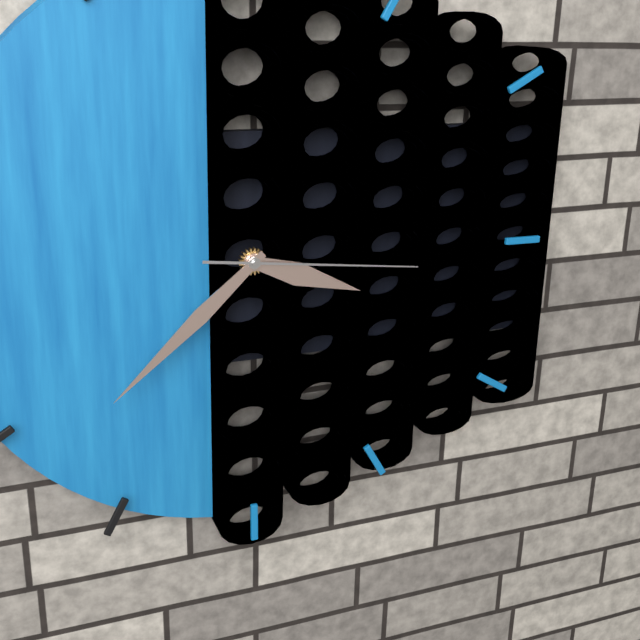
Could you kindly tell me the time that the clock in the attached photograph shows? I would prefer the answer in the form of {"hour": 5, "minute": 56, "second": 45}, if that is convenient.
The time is {"hour": 3, "minute": 38, "second": 16}
